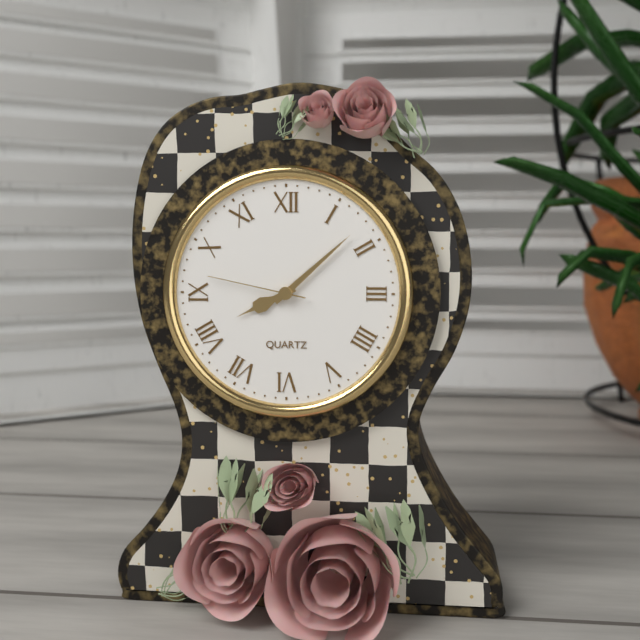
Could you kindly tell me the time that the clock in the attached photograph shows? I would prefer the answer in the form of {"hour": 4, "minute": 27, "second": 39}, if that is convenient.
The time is {"hour": 8, "minute": 8, "second": 47}
